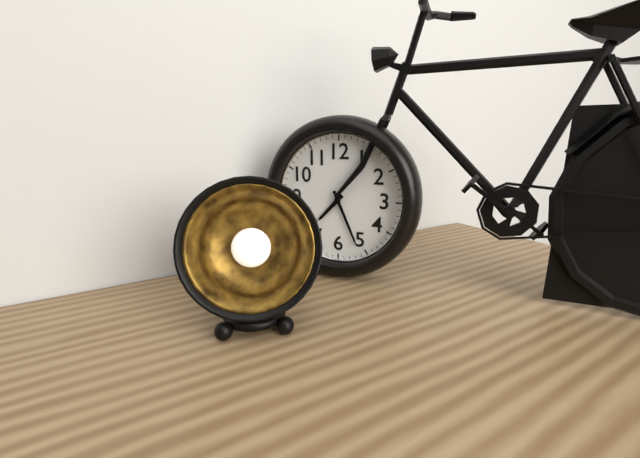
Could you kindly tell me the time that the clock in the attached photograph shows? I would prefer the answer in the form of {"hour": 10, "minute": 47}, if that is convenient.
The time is {"hour": 7, "minute": 26}
